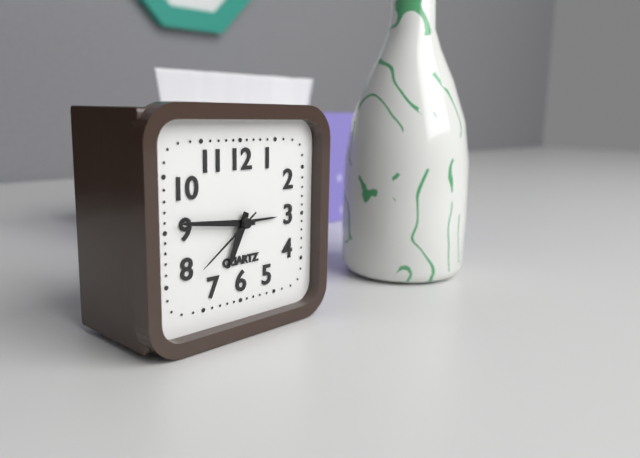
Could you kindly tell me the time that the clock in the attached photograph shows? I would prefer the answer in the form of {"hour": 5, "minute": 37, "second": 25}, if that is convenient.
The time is {"hour": 6, "minute": 46, "second": 39}
